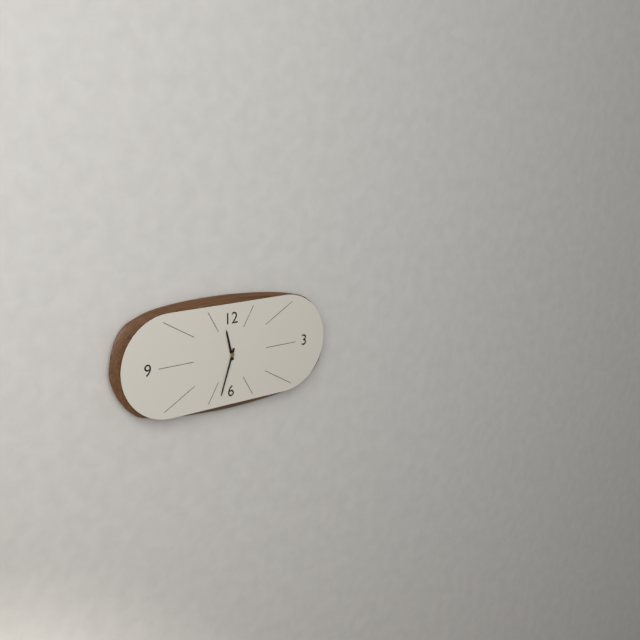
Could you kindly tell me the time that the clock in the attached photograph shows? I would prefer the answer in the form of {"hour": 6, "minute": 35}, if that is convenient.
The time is {"hour": 11, "minute": 33}
